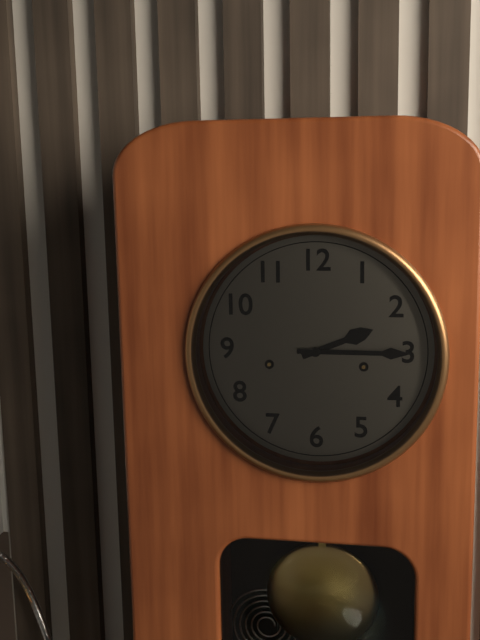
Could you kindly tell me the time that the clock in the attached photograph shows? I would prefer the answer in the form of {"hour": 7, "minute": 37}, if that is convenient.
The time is {"hour": 2, "minute": 15}
